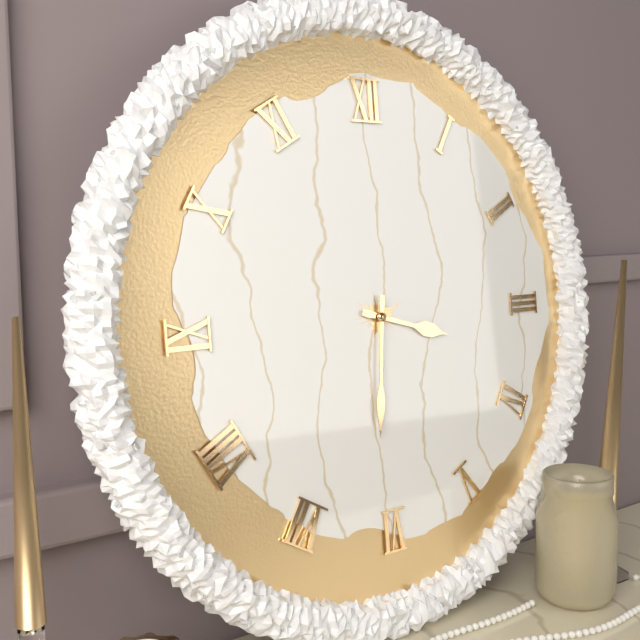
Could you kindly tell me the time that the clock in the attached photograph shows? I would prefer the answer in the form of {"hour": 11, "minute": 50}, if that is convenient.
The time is {"hour": 3, "minute": 31}
